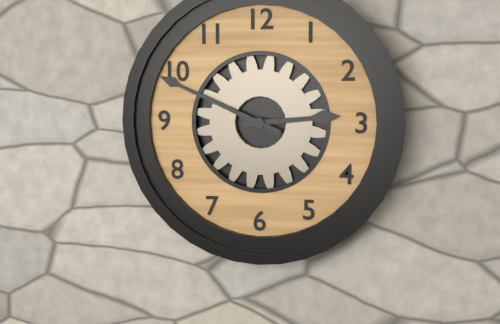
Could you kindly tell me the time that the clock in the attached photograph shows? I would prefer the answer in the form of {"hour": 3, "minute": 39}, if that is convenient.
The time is {"hour": 2, "minute": 49}
